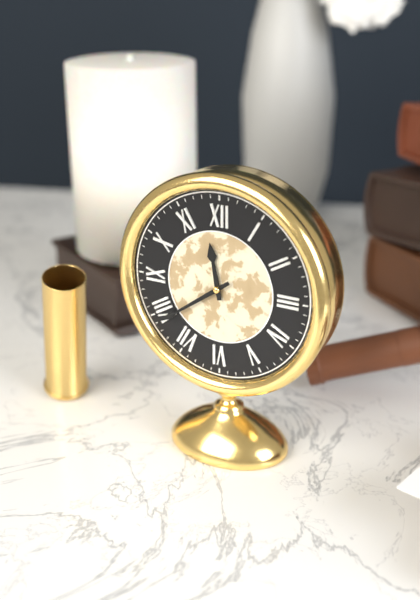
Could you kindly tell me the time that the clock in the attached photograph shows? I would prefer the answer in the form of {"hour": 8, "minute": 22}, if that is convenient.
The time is {"hour": 11, "minute": 39}
